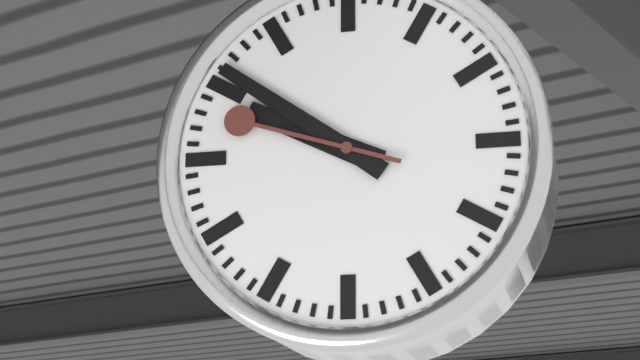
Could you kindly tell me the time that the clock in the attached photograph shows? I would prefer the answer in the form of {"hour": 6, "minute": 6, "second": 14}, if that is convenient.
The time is {"hour": 9, "minute": 51, "second": 48}
